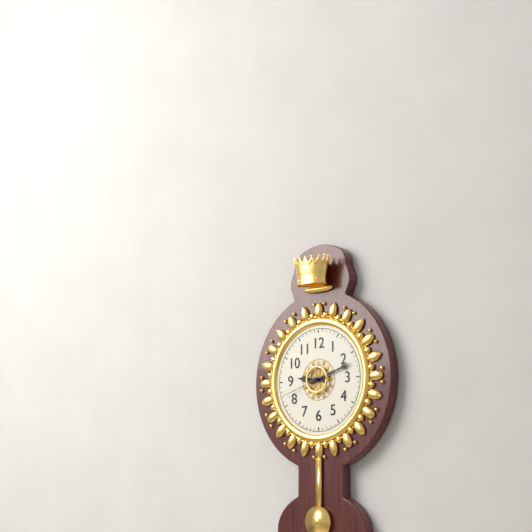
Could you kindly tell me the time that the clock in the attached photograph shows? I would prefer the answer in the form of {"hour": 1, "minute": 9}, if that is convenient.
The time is {"hour": 9, "minute": 12}
